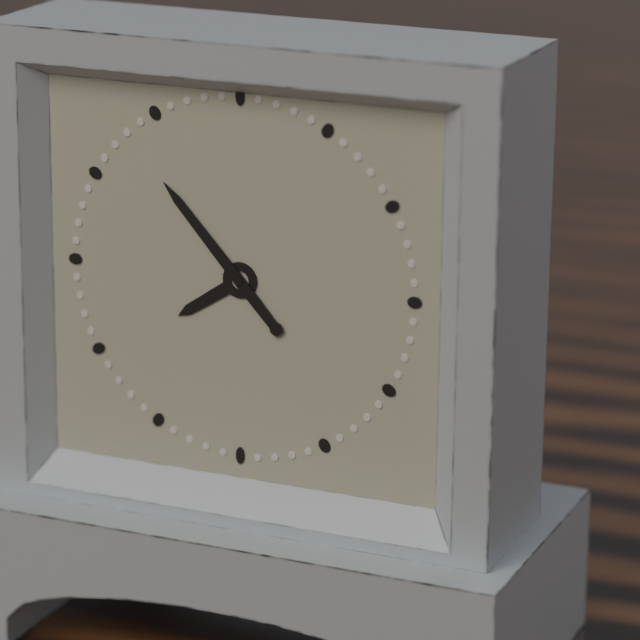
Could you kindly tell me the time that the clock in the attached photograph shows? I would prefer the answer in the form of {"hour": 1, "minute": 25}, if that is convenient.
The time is {"hour": 7, "minute": 53}
